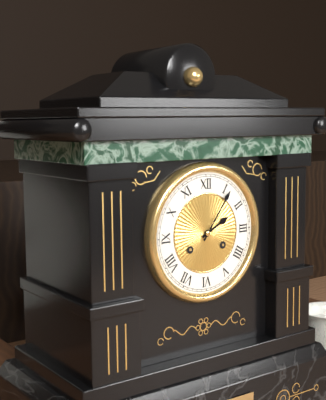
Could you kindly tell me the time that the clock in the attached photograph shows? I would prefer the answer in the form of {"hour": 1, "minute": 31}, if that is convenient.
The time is {"hour": 2, "minute": 6}
